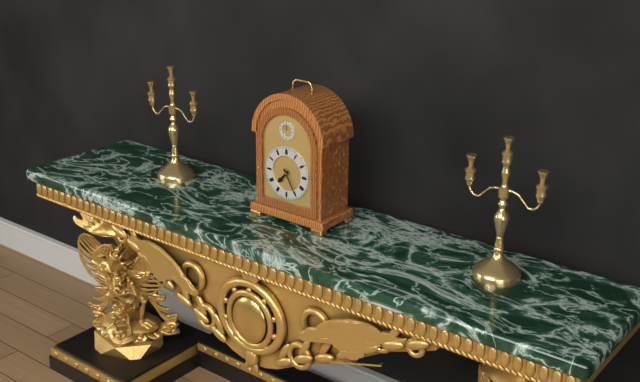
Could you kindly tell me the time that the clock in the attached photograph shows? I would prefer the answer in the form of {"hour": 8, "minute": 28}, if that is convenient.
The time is {"hour": 7, "minute": 25}
